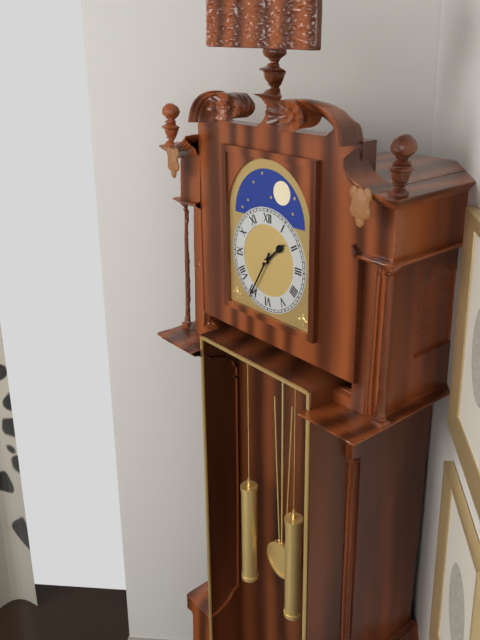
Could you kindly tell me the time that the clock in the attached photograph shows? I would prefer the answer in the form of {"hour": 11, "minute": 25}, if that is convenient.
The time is {"hour": 1, "minute": 35}
